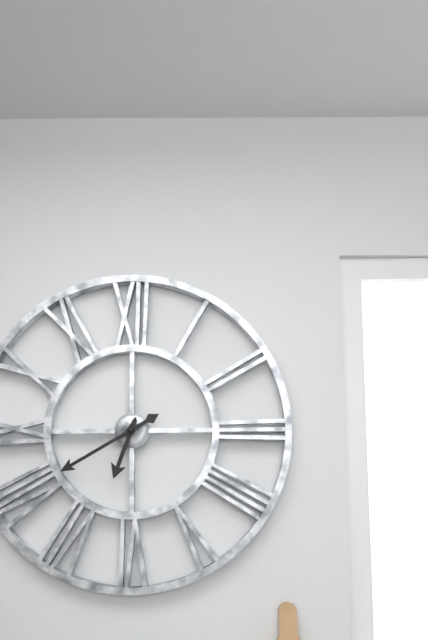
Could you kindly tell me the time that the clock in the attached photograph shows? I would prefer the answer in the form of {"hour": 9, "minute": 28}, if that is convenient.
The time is {"hour": 6, "minute": 40}
